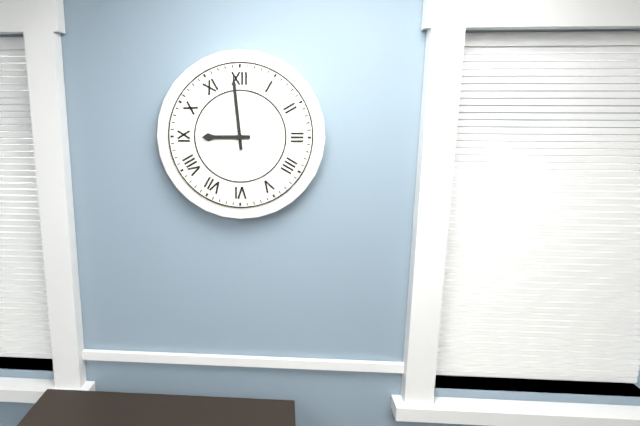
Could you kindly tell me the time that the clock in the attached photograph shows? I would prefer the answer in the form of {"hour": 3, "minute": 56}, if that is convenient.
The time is {"hour": 8, "minute": 59}
